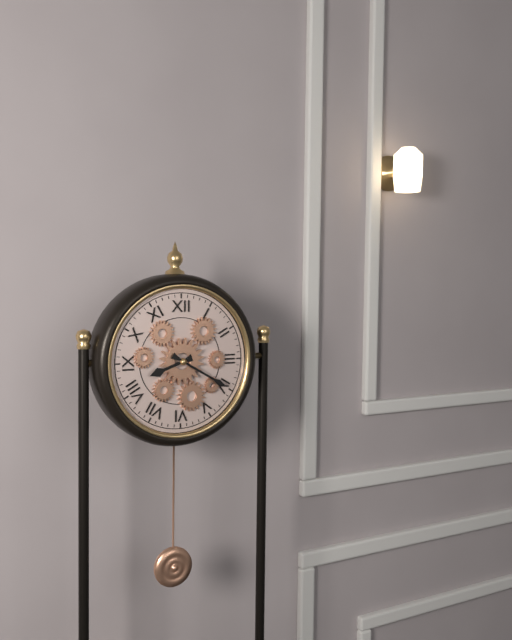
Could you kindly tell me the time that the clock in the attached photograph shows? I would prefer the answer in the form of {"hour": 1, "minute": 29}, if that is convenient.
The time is {"hour": 8, "minute": 20}
